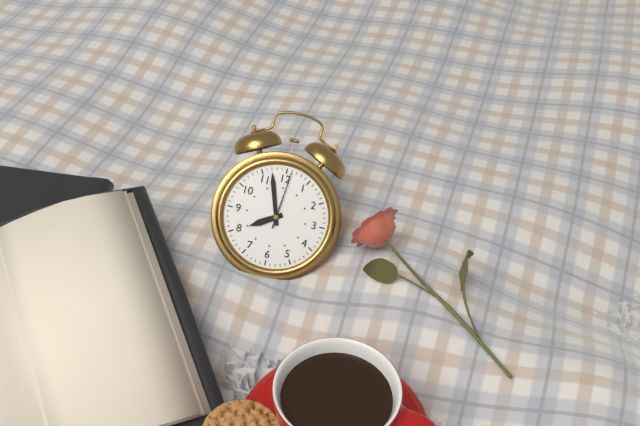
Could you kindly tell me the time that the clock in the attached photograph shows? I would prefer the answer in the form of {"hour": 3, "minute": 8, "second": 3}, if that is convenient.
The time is {"hour": 7, "minute": 57, "second": 1}
